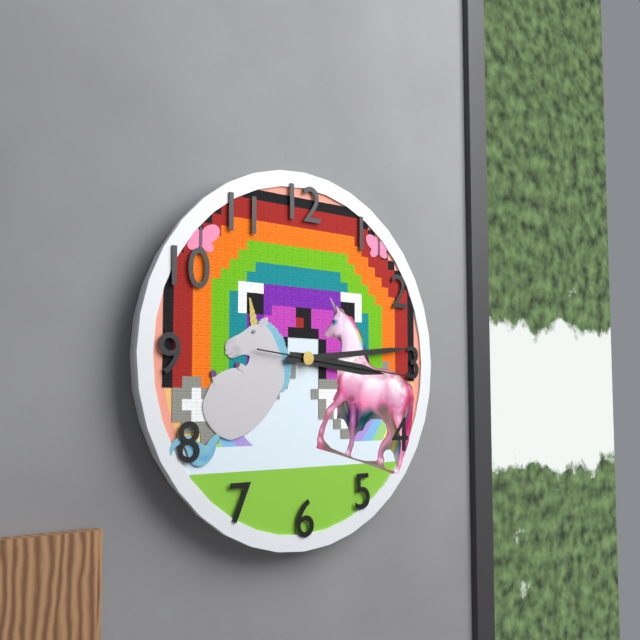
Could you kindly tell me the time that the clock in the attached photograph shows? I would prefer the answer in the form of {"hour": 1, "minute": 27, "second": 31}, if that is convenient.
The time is {"hour": 3, "minute": 14, "second": 16}
